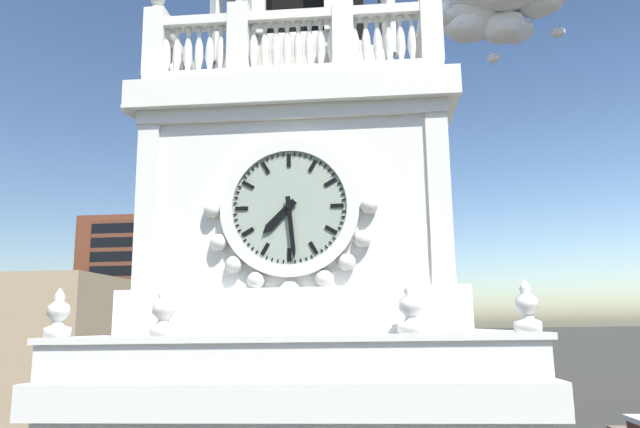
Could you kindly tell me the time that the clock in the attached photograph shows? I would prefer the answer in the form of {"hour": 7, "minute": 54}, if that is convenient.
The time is {"hour": 7, "minute": 29}
